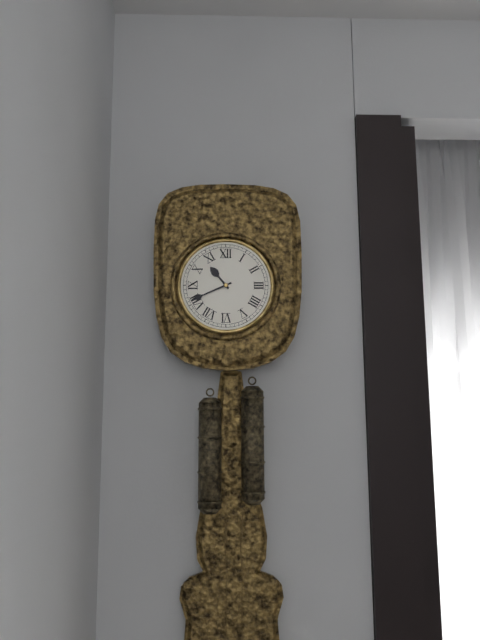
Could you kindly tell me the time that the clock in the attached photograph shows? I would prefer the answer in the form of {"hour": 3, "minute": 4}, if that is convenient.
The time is {"hour": 10, "minute": 41}
